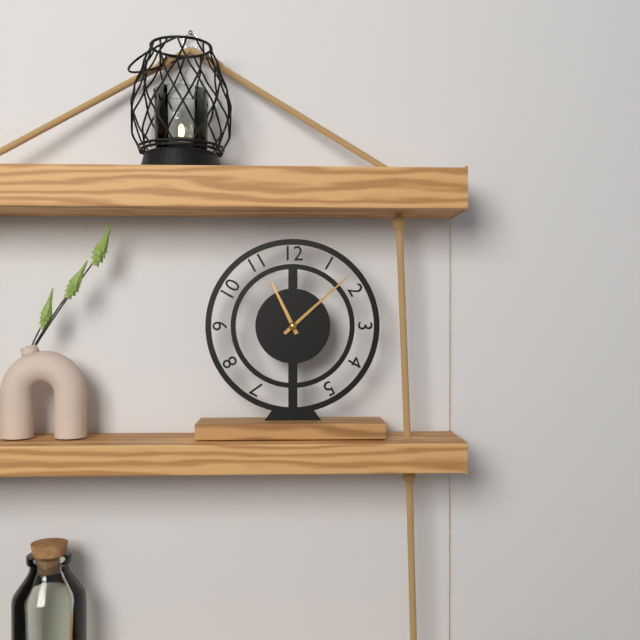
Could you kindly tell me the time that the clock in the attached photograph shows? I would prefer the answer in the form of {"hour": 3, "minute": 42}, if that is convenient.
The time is {"hour": 11, "minute": 8}
